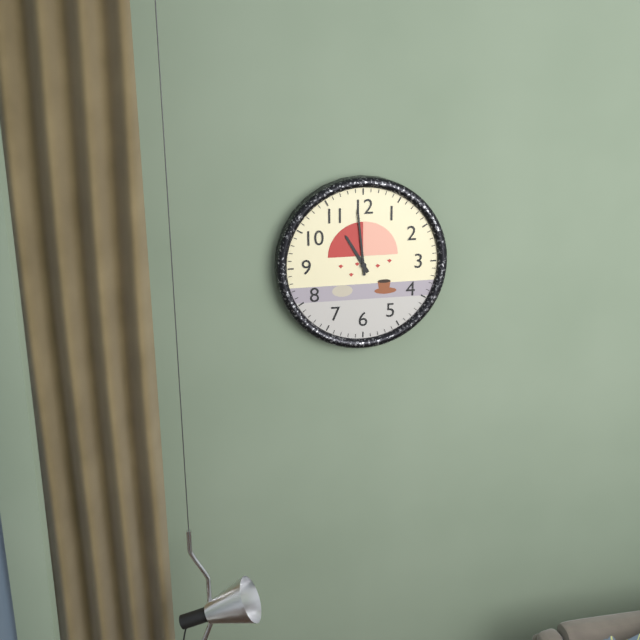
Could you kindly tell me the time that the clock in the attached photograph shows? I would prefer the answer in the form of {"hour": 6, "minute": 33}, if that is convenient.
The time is {"hour": 10, "minute": 59}
